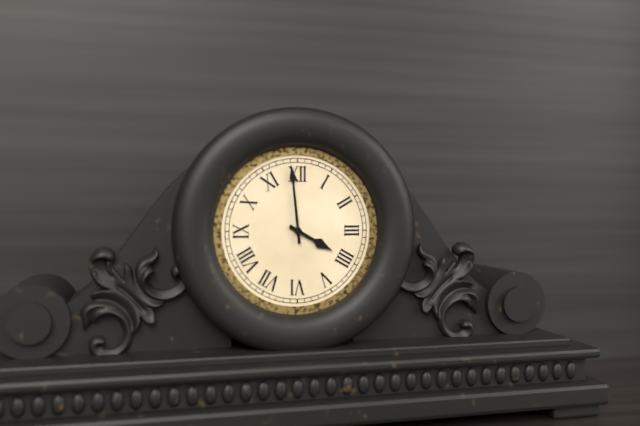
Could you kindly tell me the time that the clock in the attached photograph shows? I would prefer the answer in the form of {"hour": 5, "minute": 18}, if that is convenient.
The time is {"hour": 3, "minute": 59}
